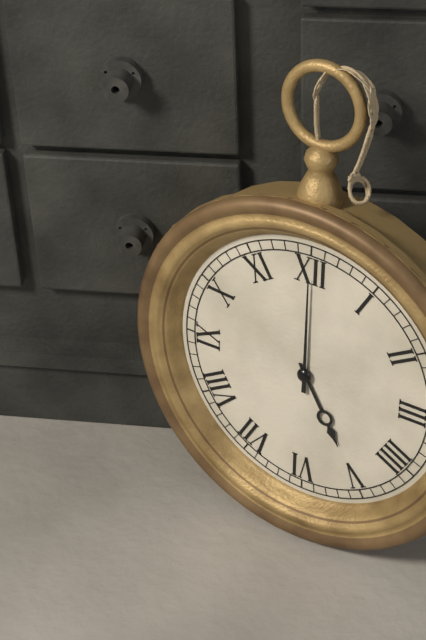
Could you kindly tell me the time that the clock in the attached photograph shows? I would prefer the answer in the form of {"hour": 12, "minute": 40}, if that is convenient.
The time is {"hour": 5, "minute": 0}
